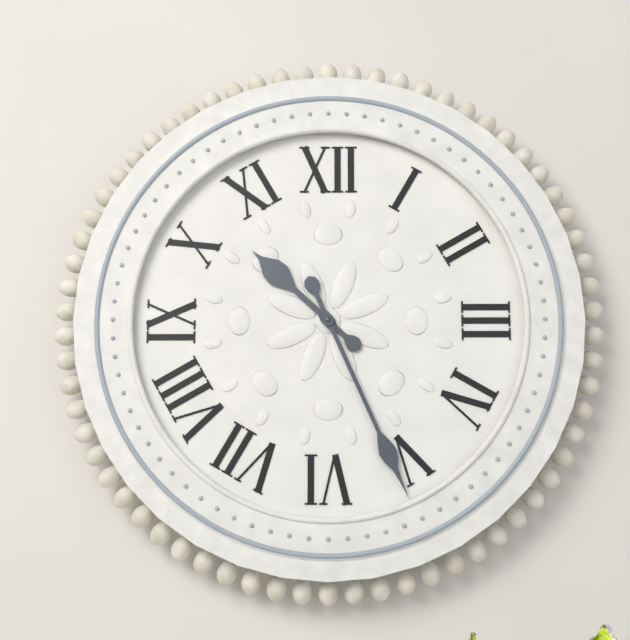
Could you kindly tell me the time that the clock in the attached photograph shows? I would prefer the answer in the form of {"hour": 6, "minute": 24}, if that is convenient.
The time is {"hour": 10, "minute": 26}
